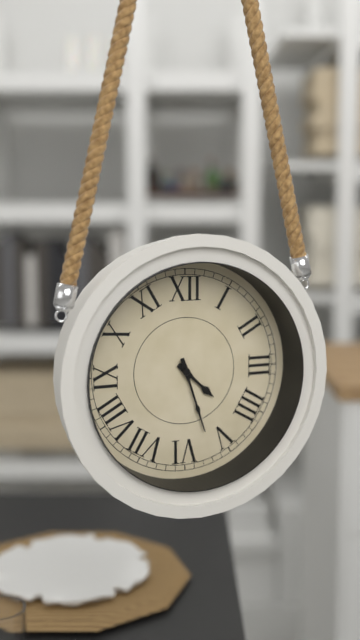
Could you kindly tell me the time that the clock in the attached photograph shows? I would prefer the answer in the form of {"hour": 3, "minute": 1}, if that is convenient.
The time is {"hour": 4, "minute": 27}
